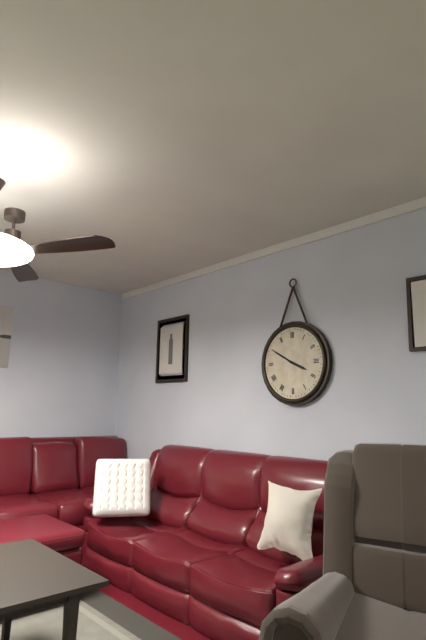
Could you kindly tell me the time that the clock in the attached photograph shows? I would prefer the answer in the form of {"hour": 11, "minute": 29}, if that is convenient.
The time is {"hour": 3, "minute": 50}
